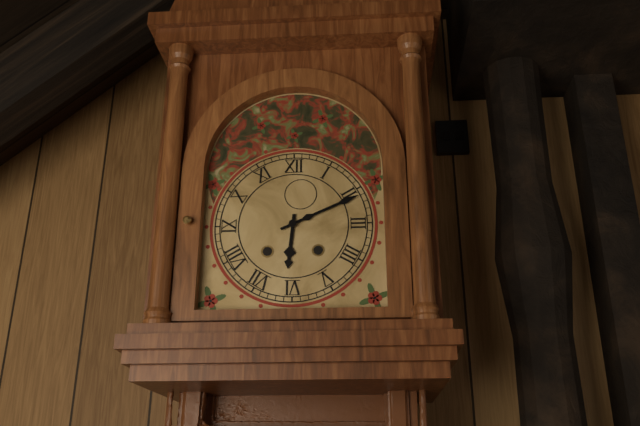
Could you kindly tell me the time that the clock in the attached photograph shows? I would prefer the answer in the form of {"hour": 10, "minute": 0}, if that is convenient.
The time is {"hour": 6, "minute": 11}
